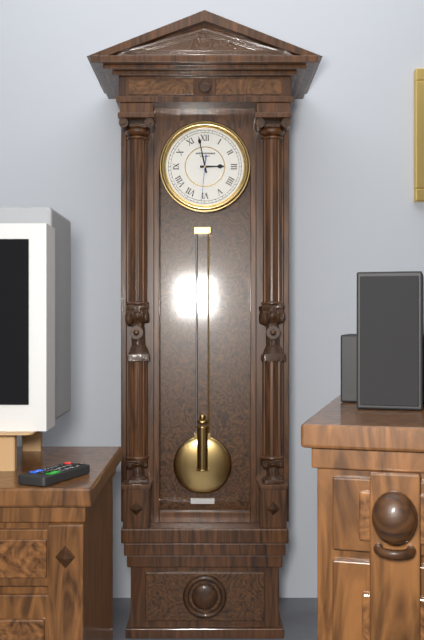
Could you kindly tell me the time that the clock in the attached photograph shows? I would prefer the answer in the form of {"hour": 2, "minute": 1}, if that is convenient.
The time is {"hour": 2, "minute": 58}
